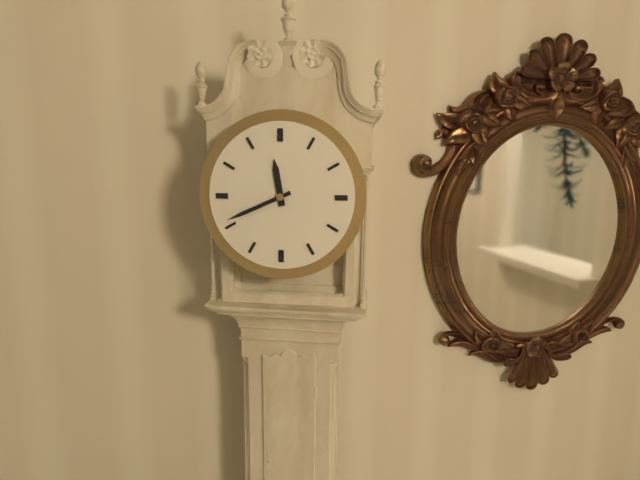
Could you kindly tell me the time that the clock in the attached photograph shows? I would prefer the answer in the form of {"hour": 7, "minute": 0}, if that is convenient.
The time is {"hour": 11, "minute": 41}
